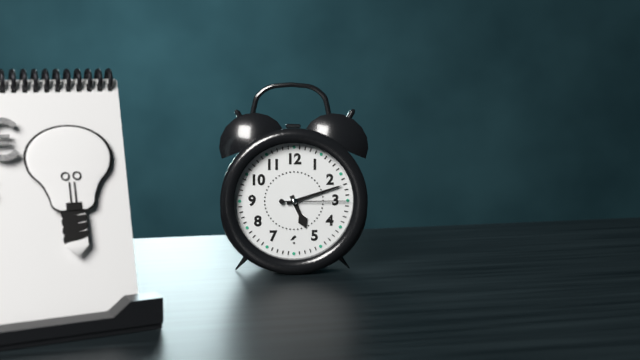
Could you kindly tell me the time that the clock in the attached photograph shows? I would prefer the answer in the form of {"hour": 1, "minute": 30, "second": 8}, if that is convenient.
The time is {"hour": 5, "minute": 12, "second": 15}
